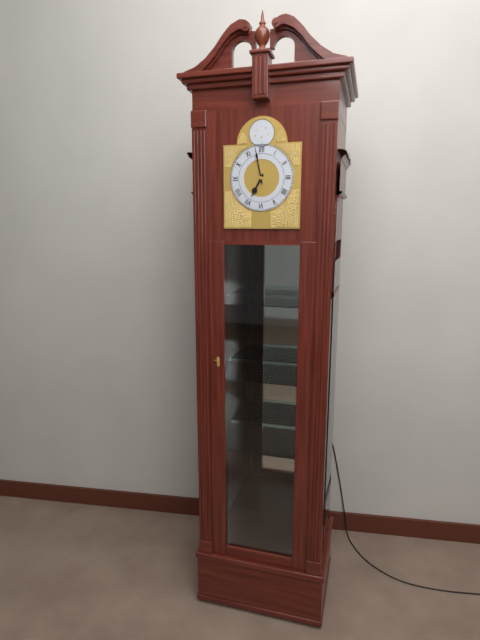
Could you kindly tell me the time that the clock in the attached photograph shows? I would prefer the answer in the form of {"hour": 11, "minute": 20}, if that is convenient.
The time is {"hour": 6, "minute": 58}
